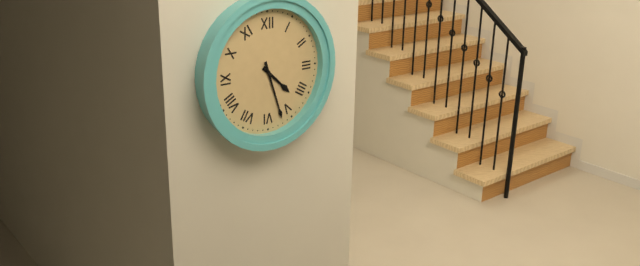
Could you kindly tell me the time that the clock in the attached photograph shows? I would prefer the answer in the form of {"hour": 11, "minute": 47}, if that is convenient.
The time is {"hour": 4, "minute": 27}
